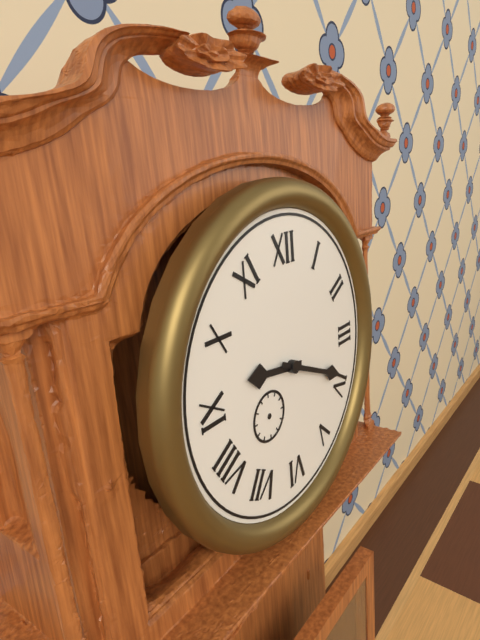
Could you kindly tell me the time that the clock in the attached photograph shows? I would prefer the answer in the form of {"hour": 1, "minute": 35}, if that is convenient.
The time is {"hour": 9, "minute": 19}
